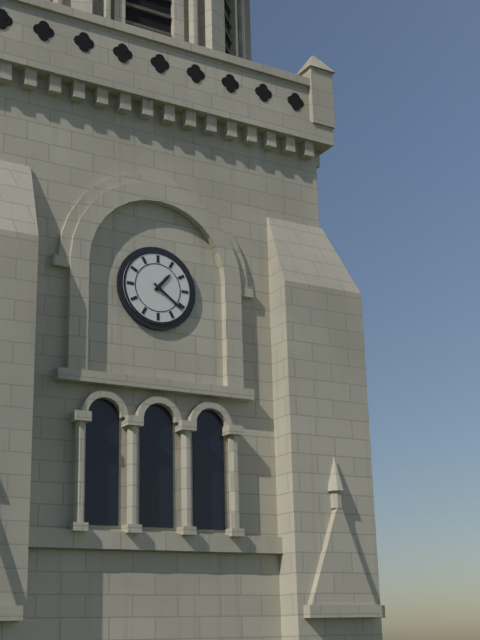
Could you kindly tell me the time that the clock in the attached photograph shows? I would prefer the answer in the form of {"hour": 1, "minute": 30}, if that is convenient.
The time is {"hour": 1, "minute": 21}
